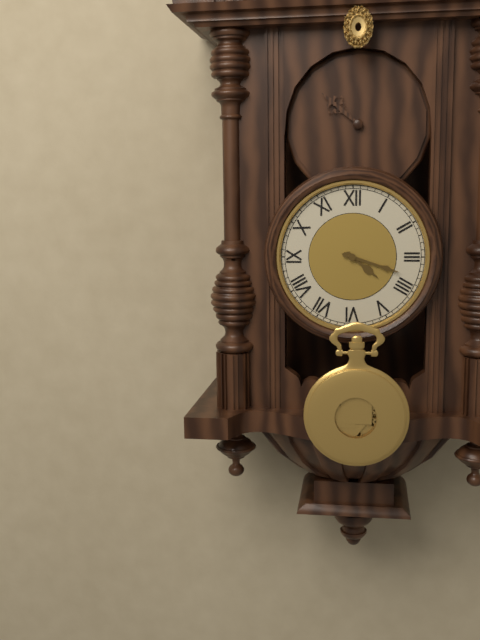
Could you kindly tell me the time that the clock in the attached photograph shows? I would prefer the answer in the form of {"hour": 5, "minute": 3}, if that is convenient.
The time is {"hour": 4, "minute": 18}
